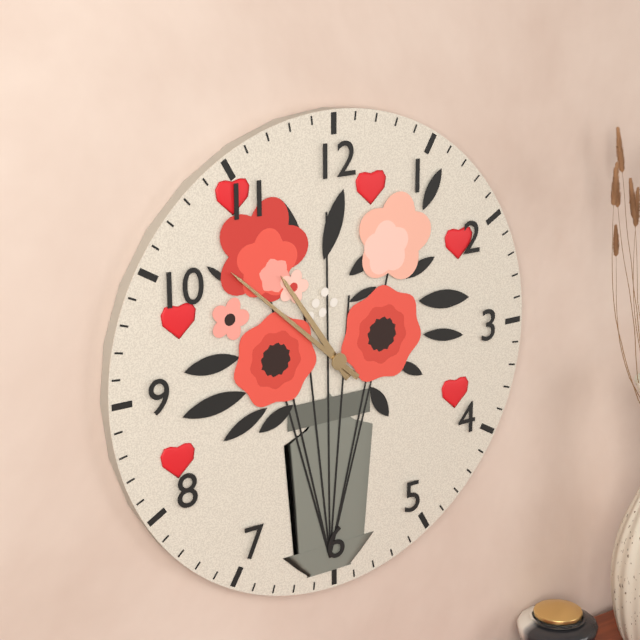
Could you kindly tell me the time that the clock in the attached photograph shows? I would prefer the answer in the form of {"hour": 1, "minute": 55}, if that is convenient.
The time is {"hour": 10, "minute": 52}
